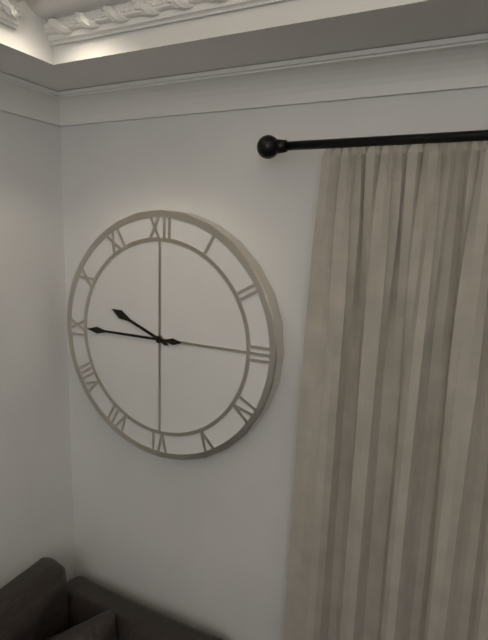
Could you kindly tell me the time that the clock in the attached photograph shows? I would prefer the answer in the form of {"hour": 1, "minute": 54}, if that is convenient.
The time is {"hour": 9, "minute": 45}
